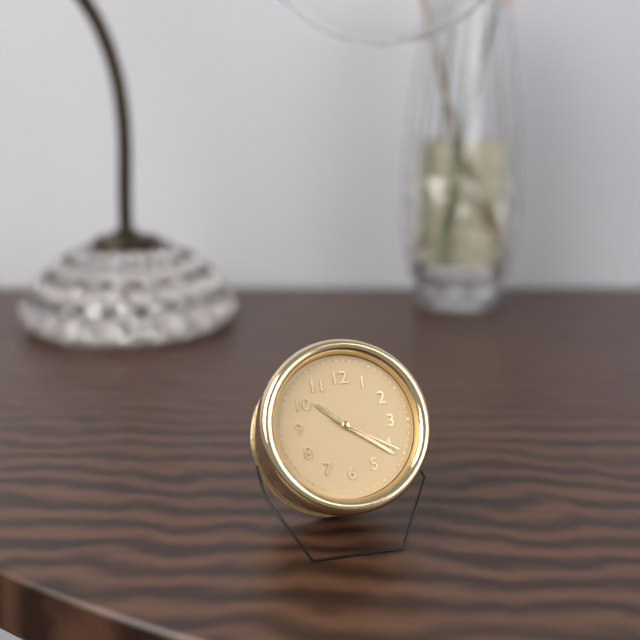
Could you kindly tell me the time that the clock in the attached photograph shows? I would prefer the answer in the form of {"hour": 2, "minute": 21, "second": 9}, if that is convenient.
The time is {"hour": 10, "minute": 21, "second": 20}
